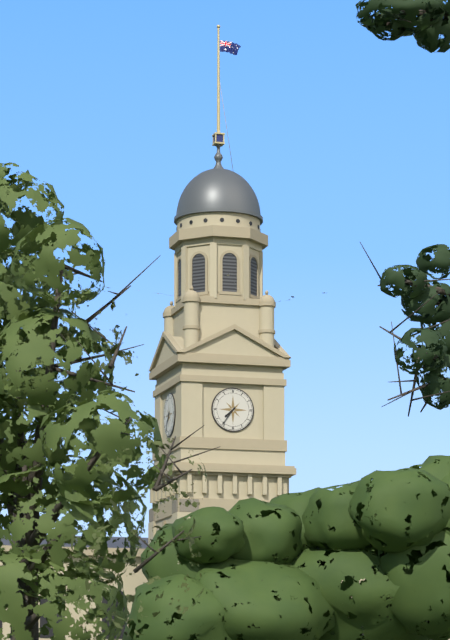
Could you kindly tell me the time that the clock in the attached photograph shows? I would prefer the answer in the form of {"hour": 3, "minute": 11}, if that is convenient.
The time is {"hour": 7, "minute": 36}
